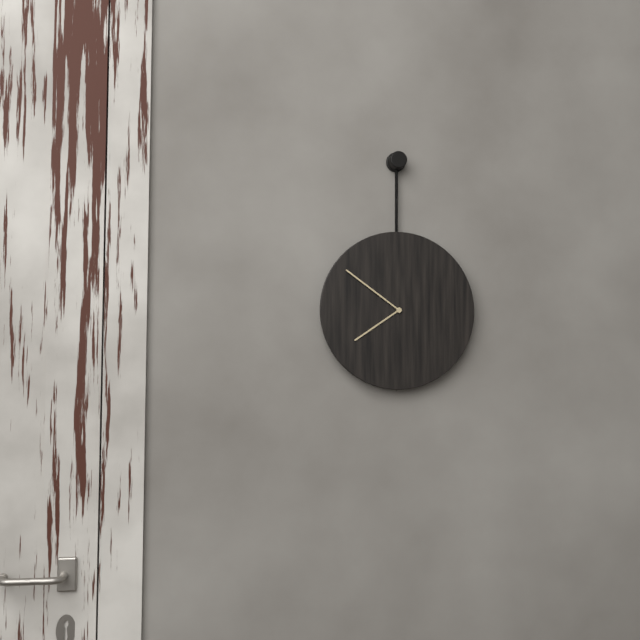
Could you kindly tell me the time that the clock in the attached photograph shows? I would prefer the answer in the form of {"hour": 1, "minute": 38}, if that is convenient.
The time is {"hour": 7, "minute": 51}
